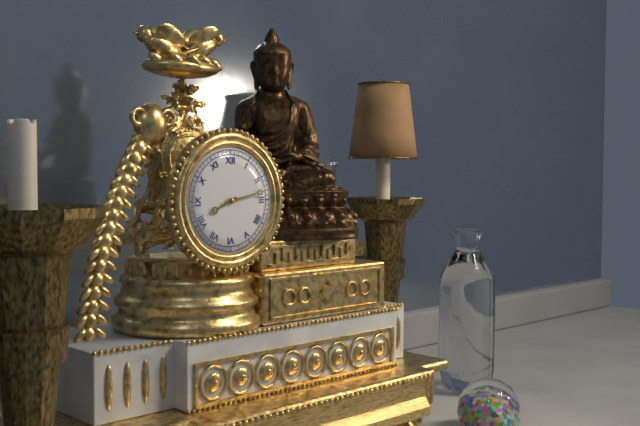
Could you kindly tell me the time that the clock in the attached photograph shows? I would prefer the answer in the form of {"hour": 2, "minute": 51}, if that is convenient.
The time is {"hour": 8, "minute": 13}
